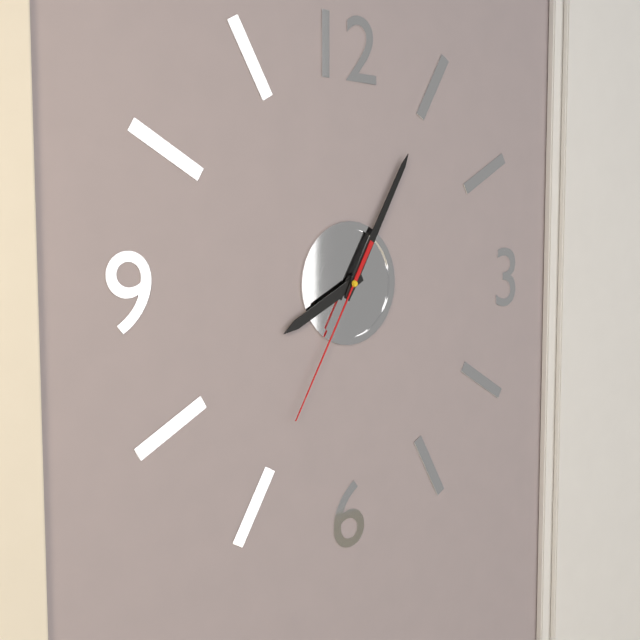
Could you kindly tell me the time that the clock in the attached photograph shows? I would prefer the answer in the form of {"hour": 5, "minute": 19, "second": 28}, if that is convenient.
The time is {"hour": 8, "minute": 5, "second": 35}
